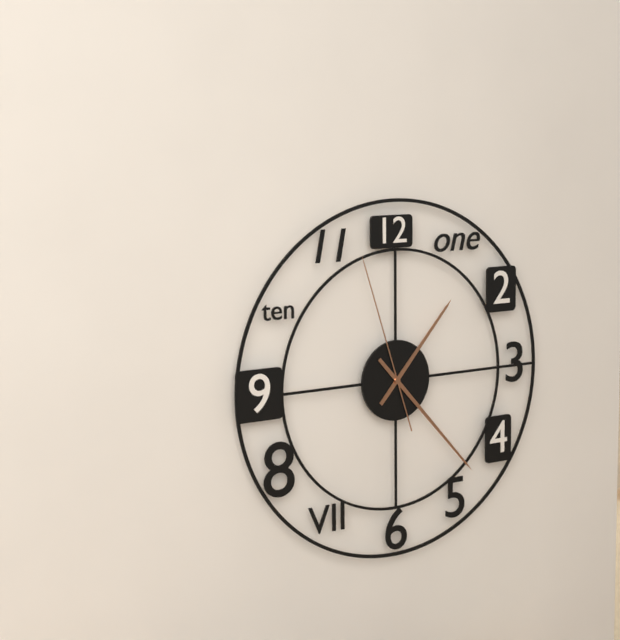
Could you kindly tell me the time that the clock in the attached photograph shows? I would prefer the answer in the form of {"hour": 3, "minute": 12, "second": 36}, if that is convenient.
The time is {"hour": 1, "minute": 23, "second": 57}
